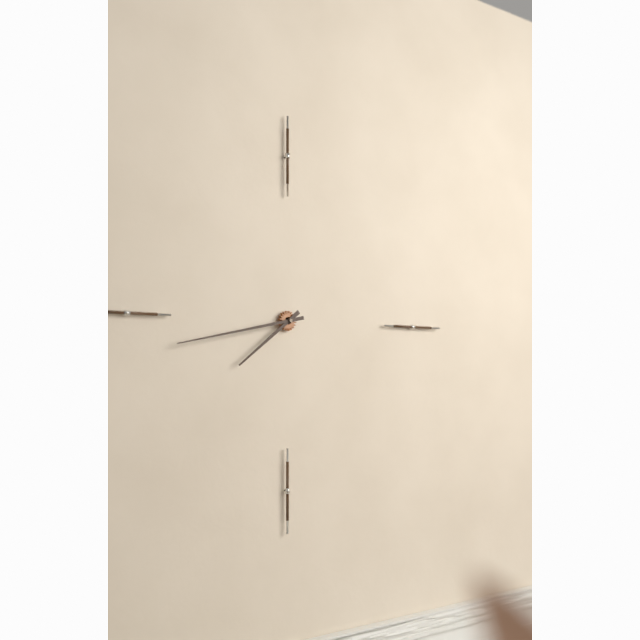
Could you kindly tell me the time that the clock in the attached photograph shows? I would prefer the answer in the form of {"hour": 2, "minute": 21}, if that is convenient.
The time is {"hour": 7, "minute": 43}
